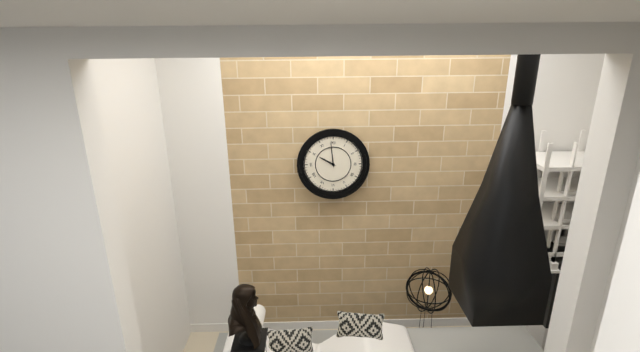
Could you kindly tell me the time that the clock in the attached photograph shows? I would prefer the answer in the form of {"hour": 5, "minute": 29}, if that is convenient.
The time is {"hour": 9, "minute": 59}
